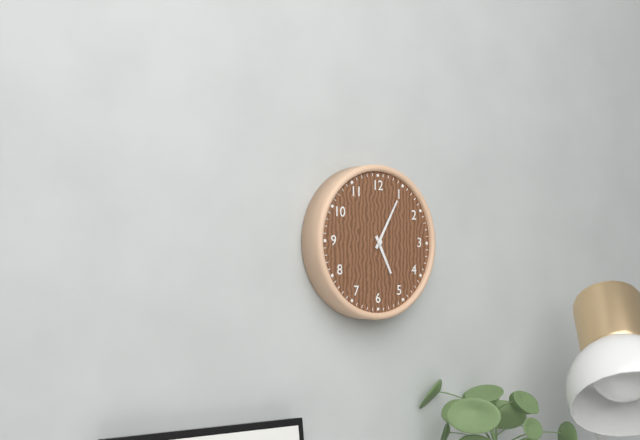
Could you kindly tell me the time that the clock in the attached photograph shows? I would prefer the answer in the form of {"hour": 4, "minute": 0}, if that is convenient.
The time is {"hour": 5, "minute": 5}
